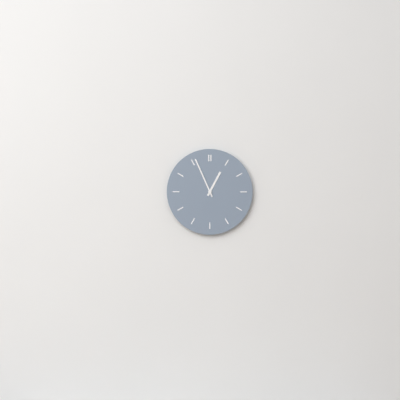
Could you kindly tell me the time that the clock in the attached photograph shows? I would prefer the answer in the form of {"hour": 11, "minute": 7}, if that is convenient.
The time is {"hour": 12, "minute": 56}
